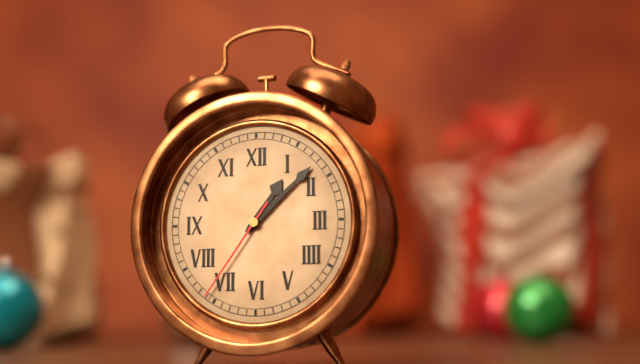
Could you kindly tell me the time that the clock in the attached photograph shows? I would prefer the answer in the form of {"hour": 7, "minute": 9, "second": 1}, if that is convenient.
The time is {"hour": 1, "minute": 8, "second": 36}
